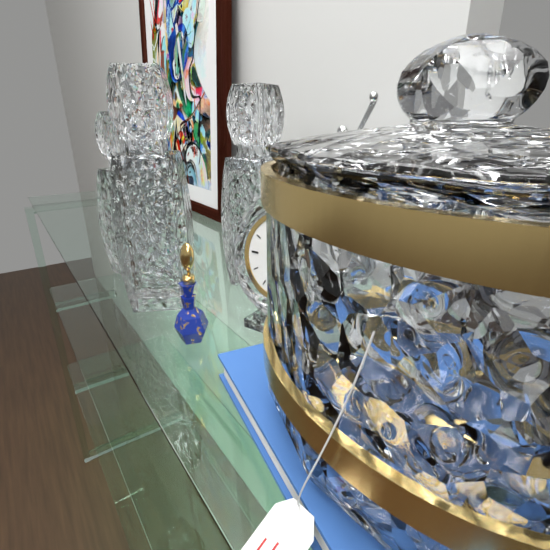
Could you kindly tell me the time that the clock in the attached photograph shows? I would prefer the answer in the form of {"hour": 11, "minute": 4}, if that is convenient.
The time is {"hour": 3, "minute": 21}
